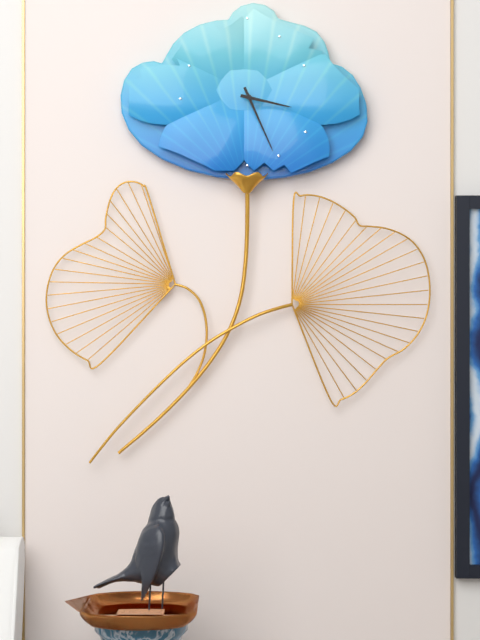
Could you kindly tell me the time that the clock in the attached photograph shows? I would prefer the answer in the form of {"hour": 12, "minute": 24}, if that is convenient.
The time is {"hour": 3, "minute": 26}
